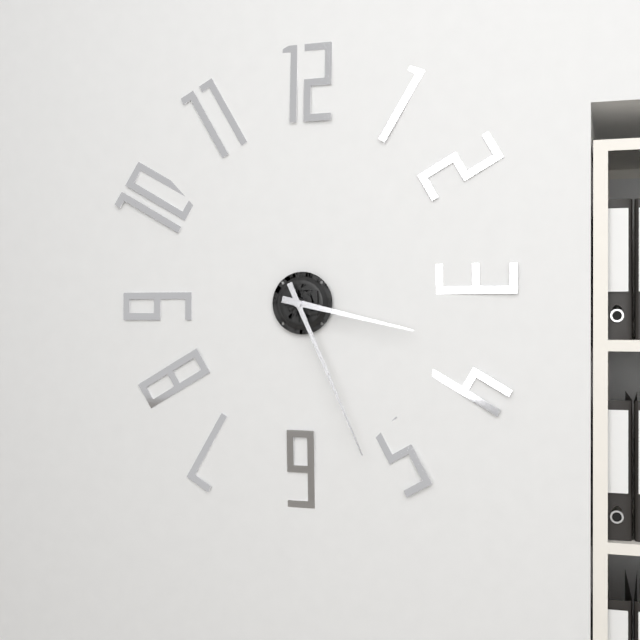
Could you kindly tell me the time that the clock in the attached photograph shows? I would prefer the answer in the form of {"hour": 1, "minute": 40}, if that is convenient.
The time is {"hour": 3, "minute": 26}
